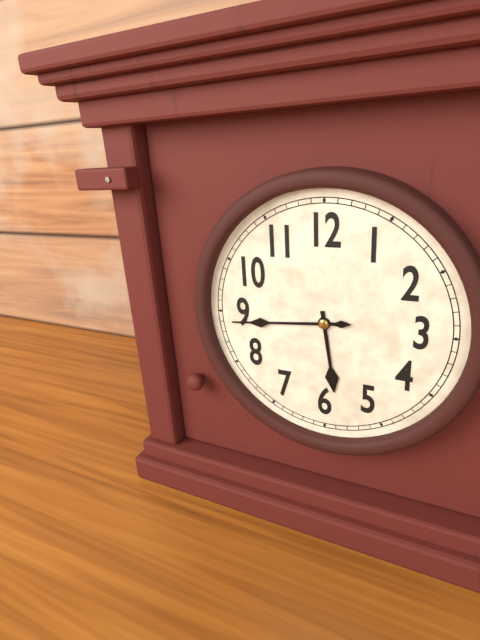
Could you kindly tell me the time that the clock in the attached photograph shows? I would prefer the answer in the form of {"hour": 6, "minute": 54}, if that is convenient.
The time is {"hour": 5, "minute": 44}
